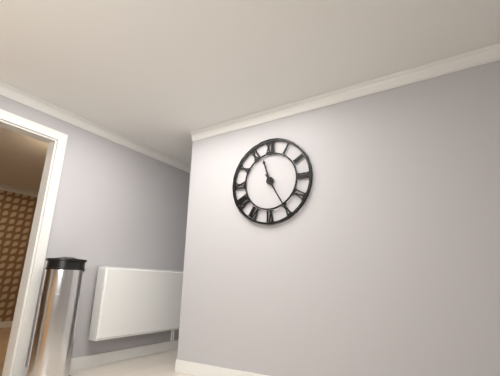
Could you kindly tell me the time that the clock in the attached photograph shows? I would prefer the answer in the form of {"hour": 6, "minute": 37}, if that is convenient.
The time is {"hour": 11, "minute": 25}
